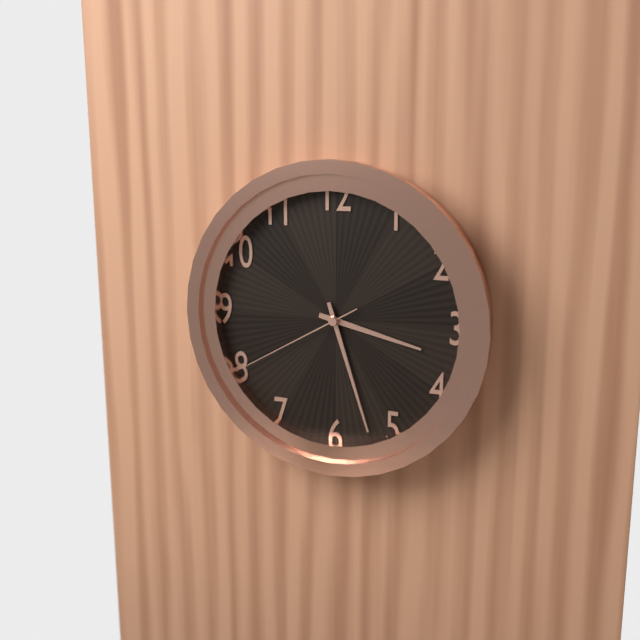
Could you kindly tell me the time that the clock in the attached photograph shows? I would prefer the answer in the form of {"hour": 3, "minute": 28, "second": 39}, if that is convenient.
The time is {"hour": 3, "minute": 27, "second": 40}
